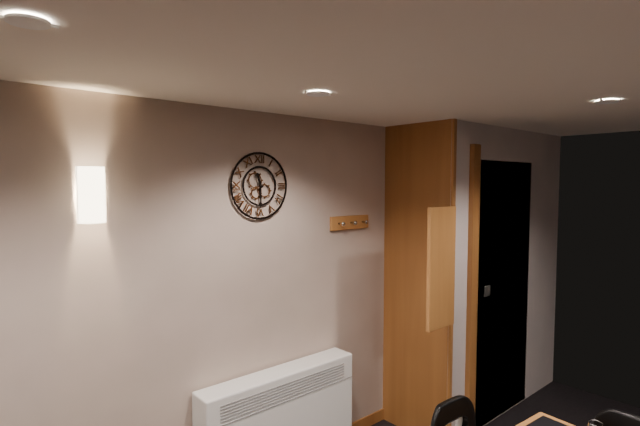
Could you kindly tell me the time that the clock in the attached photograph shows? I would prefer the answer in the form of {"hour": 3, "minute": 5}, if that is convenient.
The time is {"hour": 11, "minute": 30}
